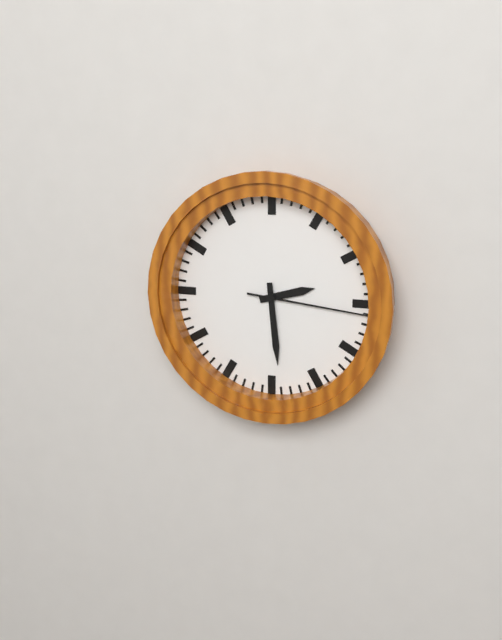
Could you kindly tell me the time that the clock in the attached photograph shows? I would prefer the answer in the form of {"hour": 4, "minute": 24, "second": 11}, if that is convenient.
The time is {"hour": 2, "minute": 29, "second": 16}
